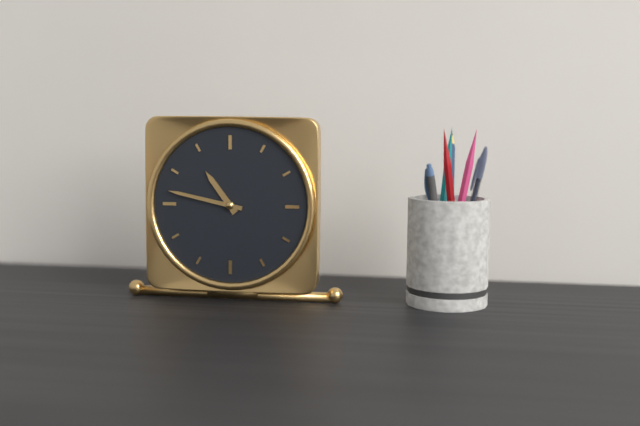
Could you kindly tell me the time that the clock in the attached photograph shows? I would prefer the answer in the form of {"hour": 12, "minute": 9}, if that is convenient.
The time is {"hour": 10, "minute": 47}
